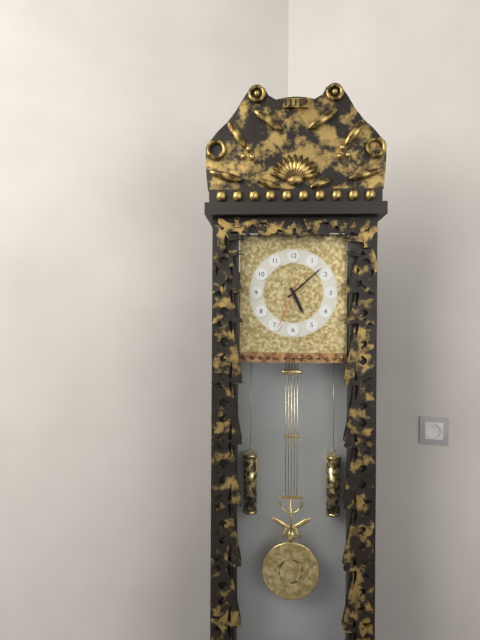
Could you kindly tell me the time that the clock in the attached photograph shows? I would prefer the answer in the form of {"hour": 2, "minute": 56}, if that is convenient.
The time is {"hour": 5, "minute": 8}
